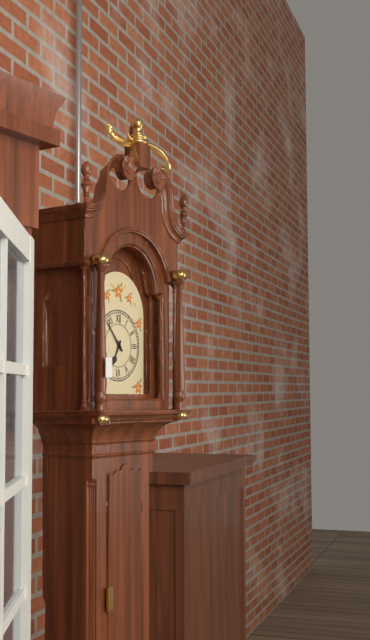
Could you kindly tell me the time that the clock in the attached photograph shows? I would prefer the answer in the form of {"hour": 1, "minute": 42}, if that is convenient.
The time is {"hour": 6, "minute": 53}
